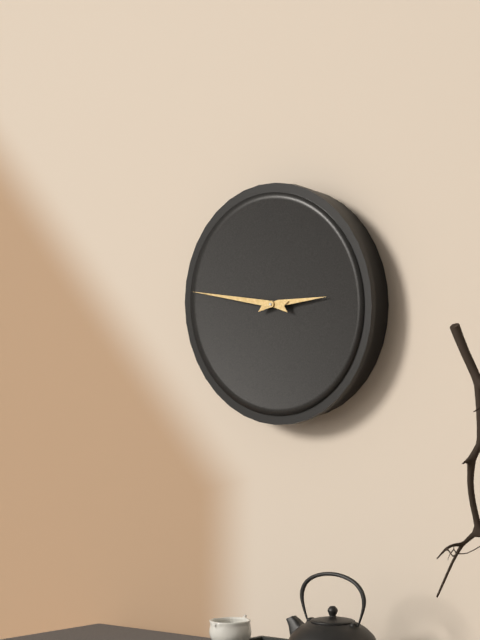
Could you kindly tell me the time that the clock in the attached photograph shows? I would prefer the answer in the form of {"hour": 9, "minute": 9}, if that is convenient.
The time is {"hour": 2, "minute": 46}
